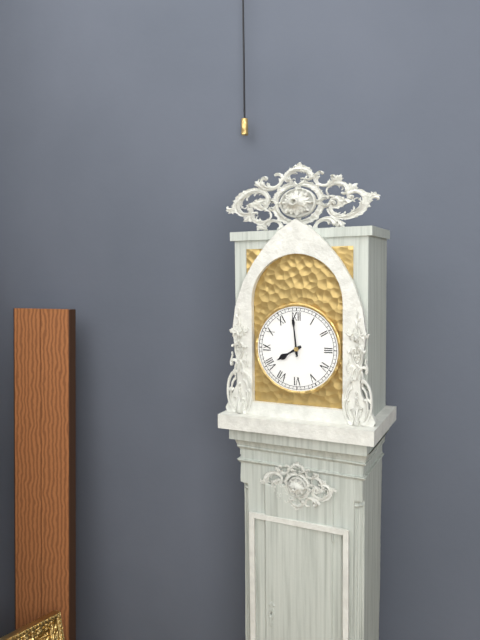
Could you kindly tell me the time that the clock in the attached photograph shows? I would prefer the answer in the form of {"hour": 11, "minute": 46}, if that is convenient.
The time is {"hour": 7, "minute": 59}
